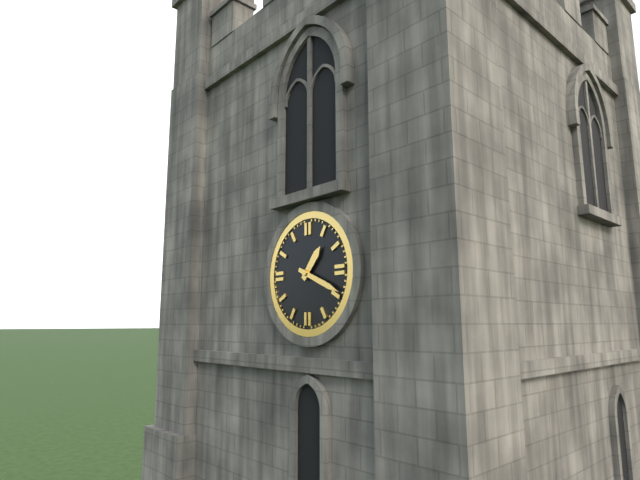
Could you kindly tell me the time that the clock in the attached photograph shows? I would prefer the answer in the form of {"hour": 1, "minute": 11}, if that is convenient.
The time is {"hour": 1, "minute": 19}
